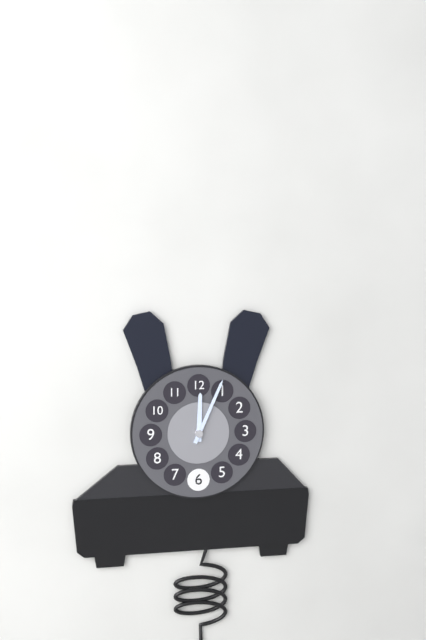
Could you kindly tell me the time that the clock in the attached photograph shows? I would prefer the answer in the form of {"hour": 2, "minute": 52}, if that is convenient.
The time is {"hour": 12, "minute": 4}
